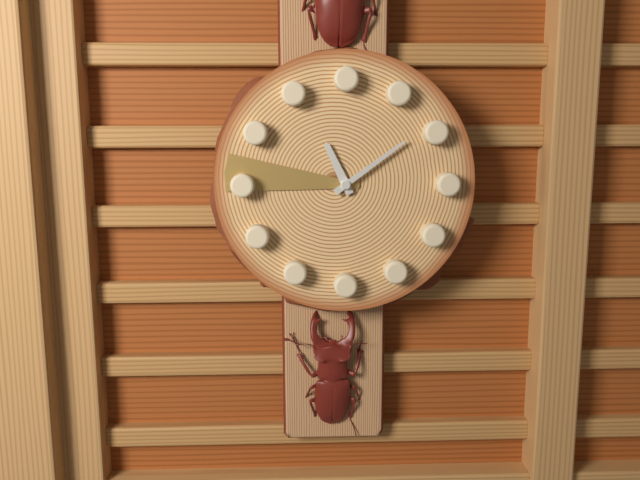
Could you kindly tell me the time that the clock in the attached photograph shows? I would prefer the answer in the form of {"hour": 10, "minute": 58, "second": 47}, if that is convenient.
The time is {"hour": 11, "minute": 9, "second": 46}
